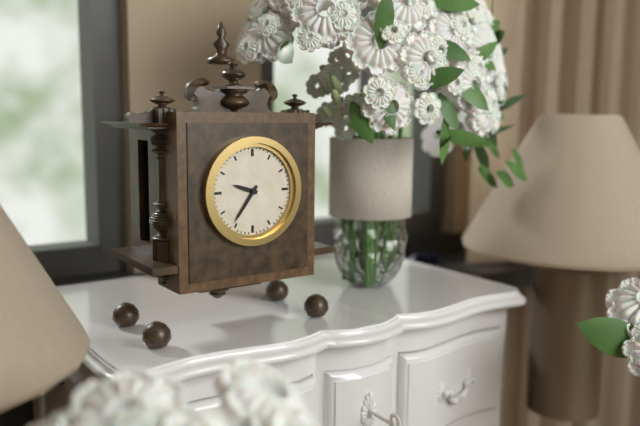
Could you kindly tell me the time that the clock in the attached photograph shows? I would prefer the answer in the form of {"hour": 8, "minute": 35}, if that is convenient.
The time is {"hour": 9, "minute": 36}
